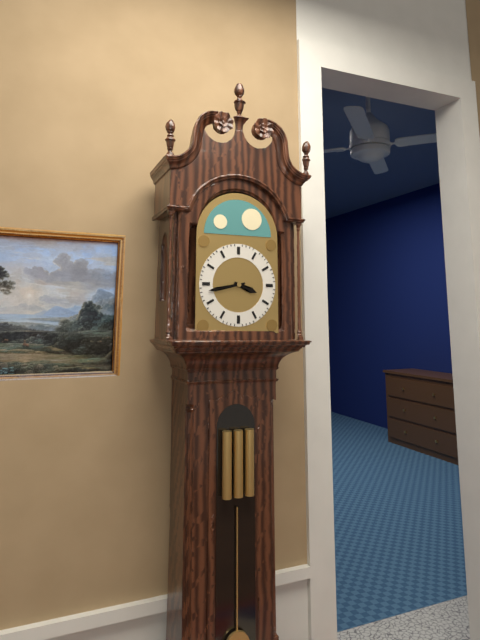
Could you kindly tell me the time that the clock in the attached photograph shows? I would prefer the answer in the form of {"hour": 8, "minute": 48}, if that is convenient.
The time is {"hour": 3, "minute": 43}
